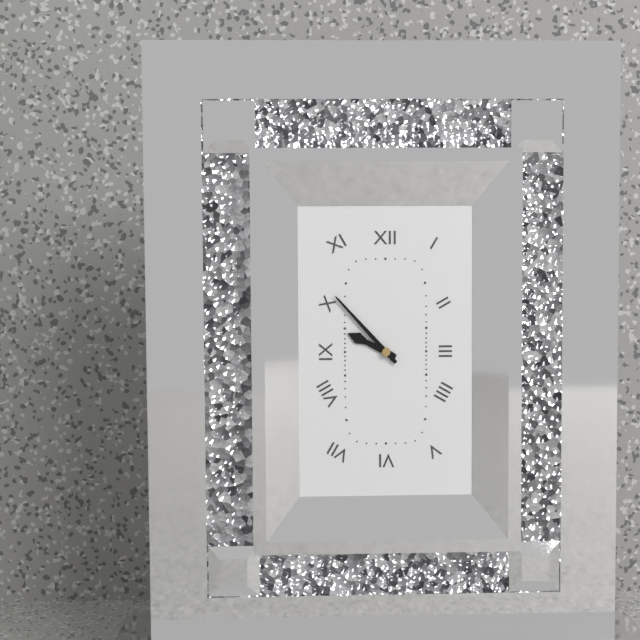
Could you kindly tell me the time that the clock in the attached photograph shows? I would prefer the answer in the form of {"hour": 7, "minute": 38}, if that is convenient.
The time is {"hour": 9, "minute": 53}
